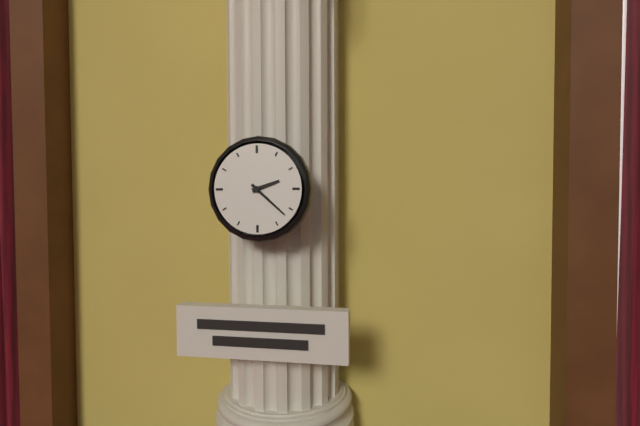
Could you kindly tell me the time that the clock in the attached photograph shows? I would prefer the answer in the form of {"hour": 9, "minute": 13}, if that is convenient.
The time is {"hour": 2, "minute": 22}
